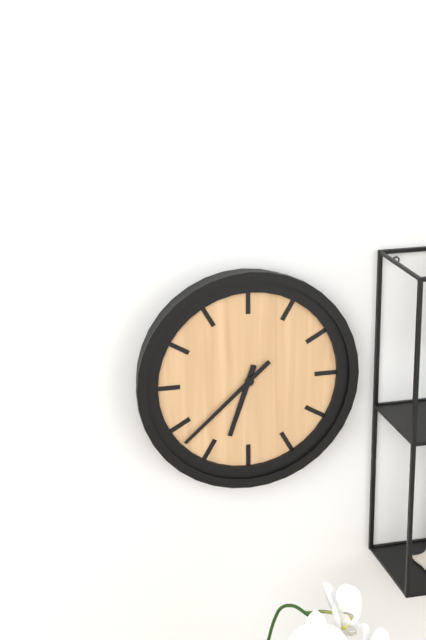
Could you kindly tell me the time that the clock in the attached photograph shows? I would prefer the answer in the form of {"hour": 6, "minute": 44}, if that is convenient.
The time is {"hour": 6, "minute": 38}
